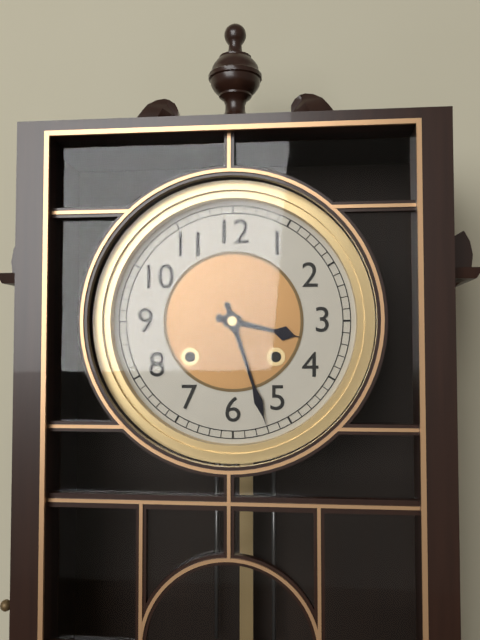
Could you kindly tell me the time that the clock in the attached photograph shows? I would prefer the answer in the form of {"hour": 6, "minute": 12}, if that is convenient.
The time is {"hour": 3, "minute": 27}
